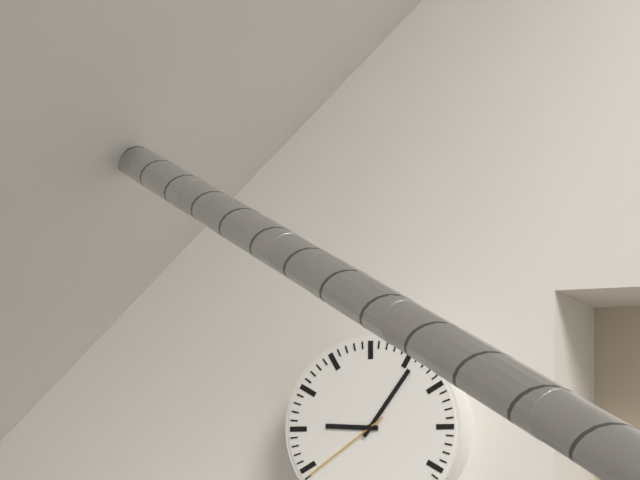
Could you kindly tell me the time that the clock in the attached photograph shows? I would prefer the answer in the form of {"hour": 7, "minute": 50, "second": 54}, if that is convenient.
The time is {"hour": 9, "minute": 6, "second": 39}
